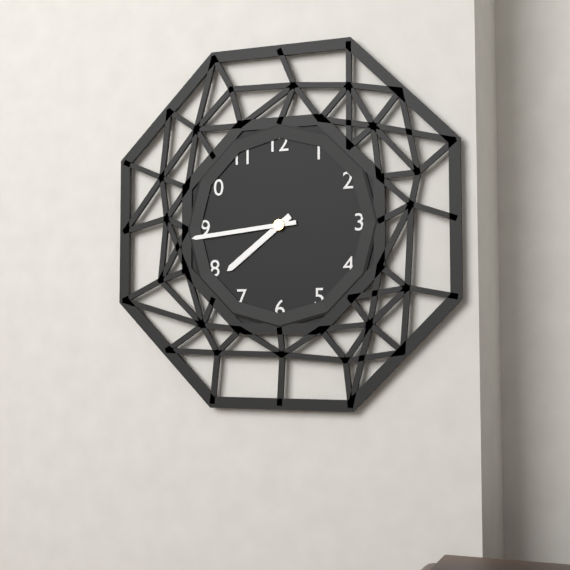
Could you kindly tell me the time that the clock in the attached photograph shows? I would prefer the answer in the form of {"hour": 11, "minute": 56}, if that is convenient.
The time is {"hour": 7, "minute": 44}
